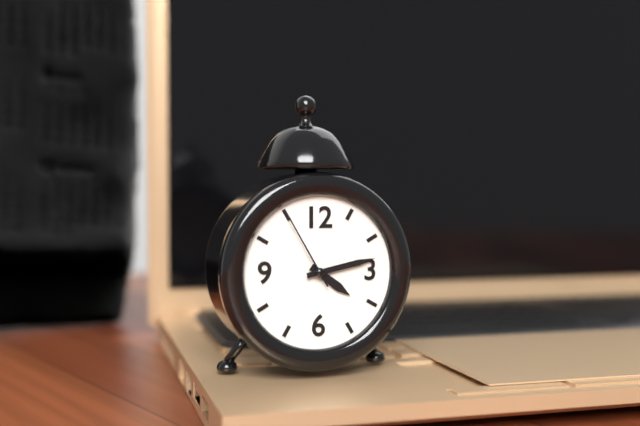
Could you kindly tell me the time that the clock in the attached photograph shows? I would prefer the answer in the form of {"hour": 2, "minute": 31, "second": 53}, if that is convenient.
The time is {"hour": 4, "minute": 13, "second": 55}
